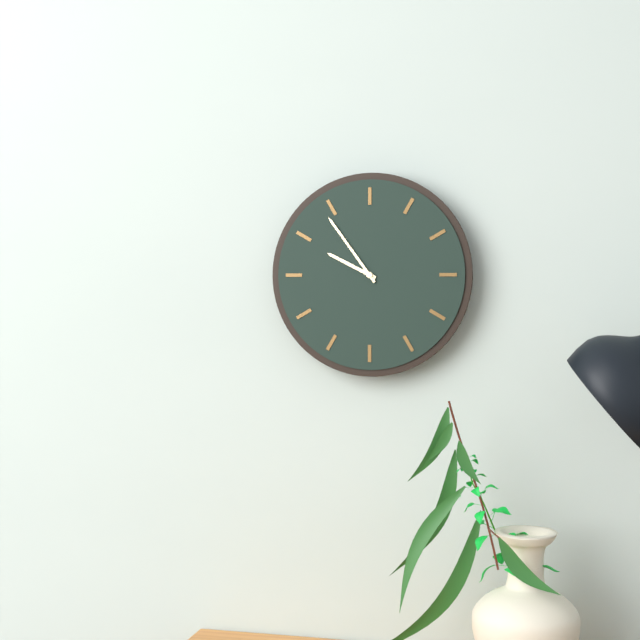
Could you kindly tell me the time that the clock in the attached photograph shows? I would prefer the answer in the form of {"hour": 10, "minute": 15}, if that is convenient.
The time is {"hour": 9, "minute": 54}
